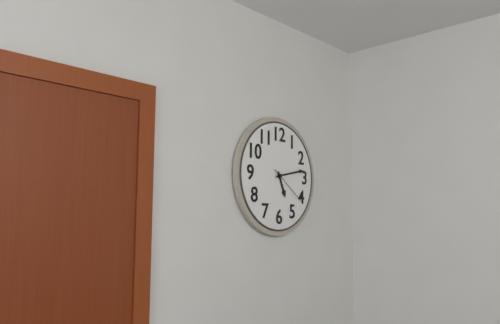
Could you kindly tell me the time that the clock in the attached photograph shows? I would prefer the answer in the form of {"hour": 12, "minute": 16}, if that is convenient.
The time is {"hour": 5, "minute": 13}
